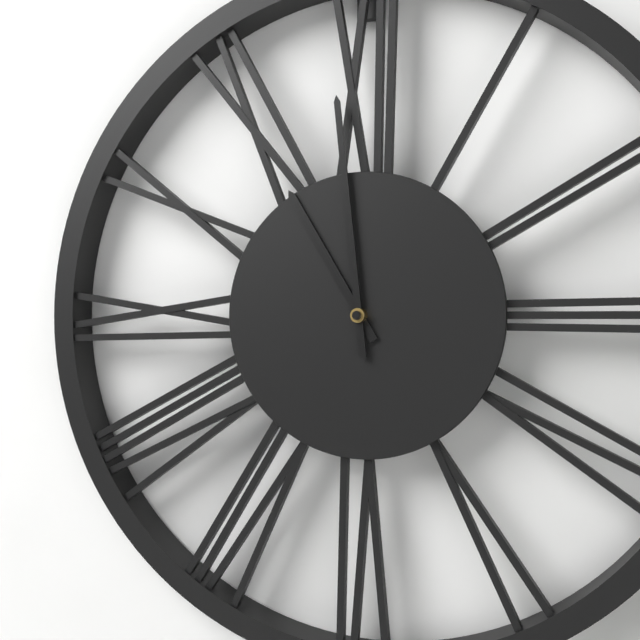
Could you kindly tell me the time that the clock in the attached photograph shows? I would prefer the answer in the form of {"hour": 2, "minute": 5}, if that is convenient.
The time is {"hour": 10, "minute": 59}
